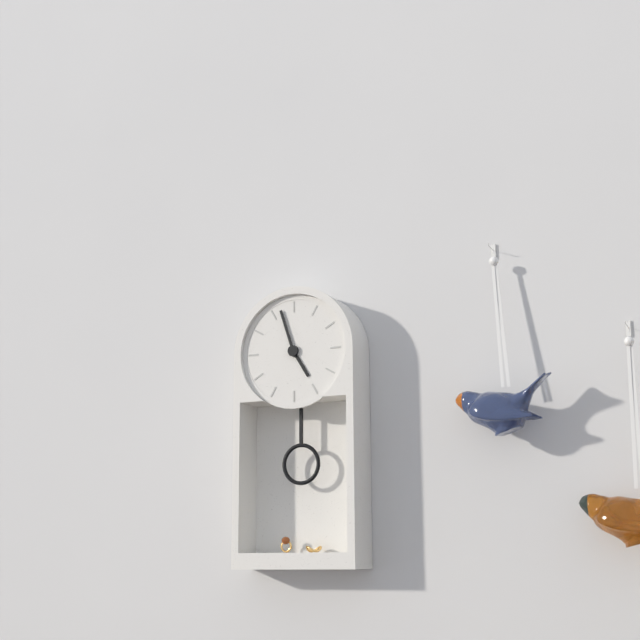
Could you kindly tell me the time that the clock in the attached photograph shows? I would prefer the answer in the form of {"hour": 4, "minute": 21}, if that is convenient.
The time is {"hour": 4, "minute": 57}
